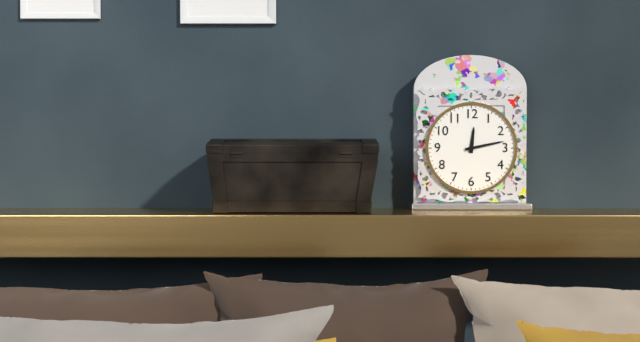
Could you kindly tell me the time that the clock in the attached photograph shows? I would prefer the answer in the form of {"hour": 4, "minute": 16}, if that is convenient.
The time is {"hour": 12, "minute": 13}
